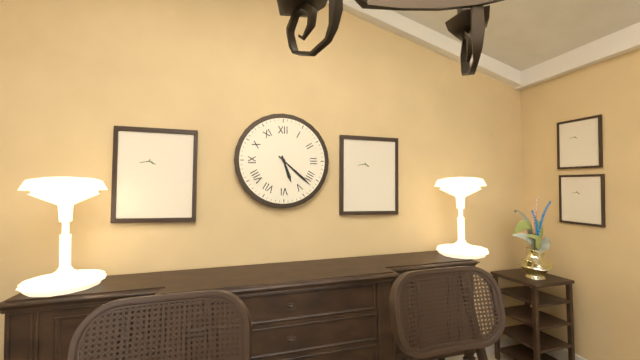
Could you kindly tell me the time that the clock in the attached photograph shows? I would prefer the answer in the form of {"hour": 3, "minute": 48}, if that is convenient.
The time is {"hour": 5, "minute": 22}
